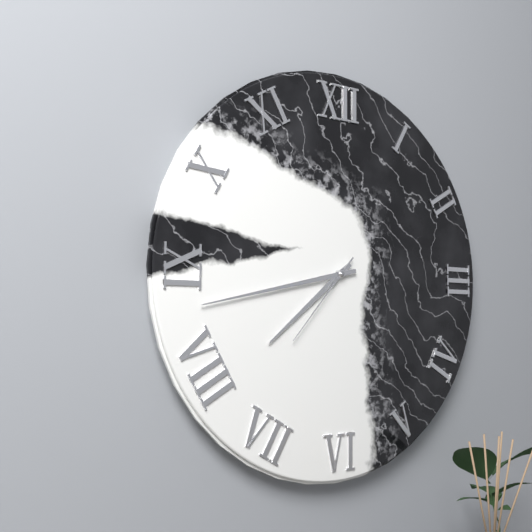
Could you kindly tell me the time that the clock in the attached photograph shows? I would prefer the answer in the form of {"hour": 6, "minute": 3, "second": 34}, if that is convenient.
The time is {"hour": 7, "minute": 43, "second": 37}
